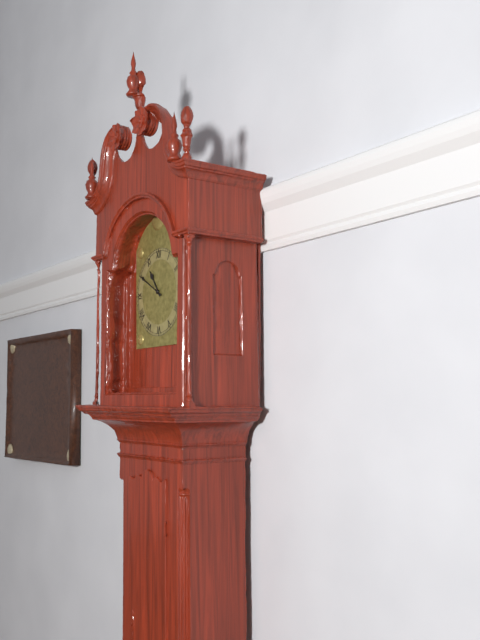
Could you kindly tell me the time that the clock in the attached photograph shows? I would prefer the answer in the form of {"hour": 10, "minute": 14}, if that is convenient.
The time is {"hour": 10, "minute": 50}
